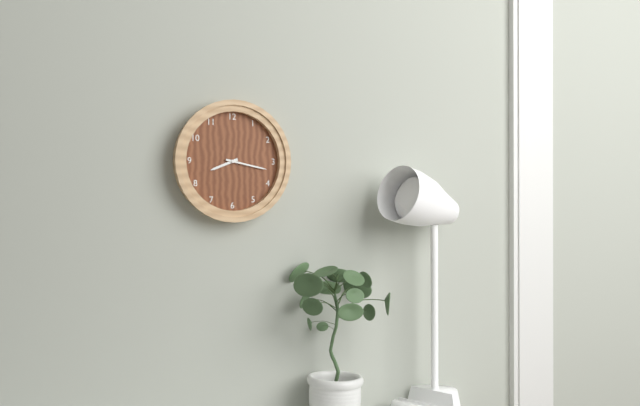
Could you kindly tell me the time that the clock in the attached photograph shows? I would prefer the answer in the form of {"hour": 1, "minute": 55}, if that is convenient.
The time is {"hour": 8, "minute": 17}
